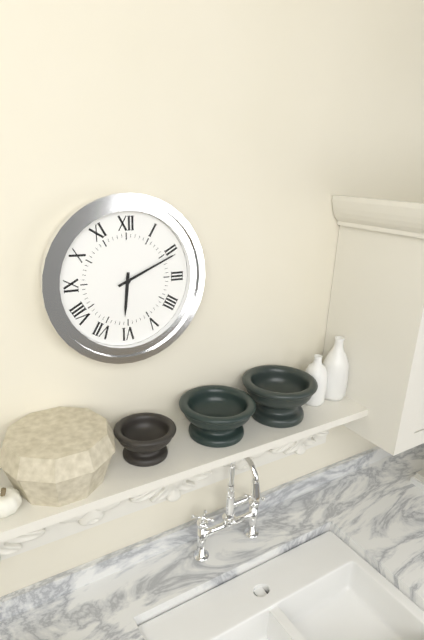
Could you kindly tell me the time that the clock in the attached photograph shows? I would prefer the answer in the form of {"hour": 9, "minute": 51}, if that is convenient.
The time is {"hour": 6, "minute": 11}
